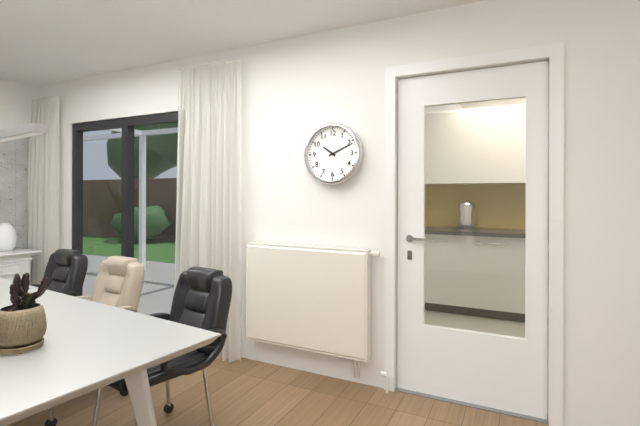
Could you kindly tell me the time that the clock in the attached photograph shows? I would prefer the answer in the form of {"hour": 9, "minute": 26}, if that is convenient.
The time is {"hour": 10, "minute": 11}
